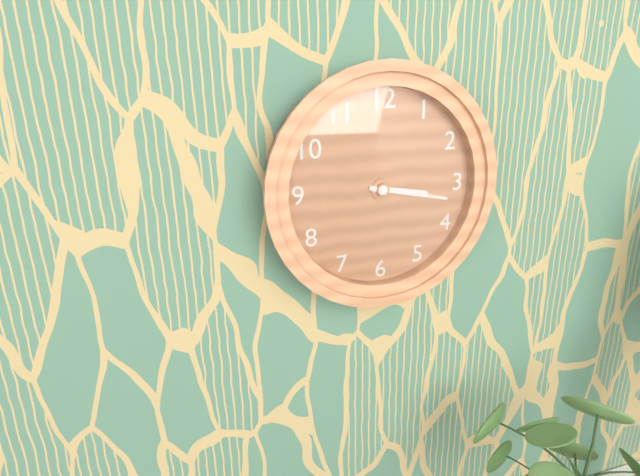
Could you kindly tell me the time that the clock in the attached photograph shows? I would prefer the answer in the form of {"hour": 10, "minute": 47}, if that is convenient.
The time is {"hour": 3, "minute": 17}
